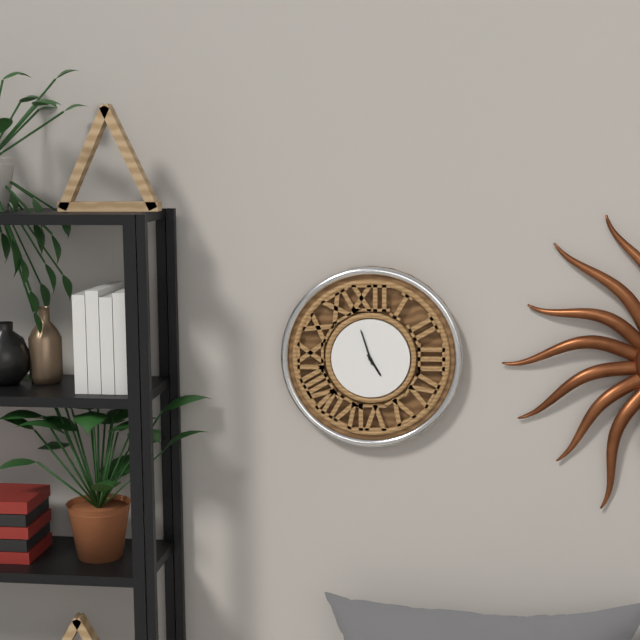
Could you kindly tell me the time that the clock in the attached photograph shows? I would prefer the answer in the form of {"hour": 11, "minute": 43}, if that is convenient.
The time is {"hour": 4, "minute": 57}
